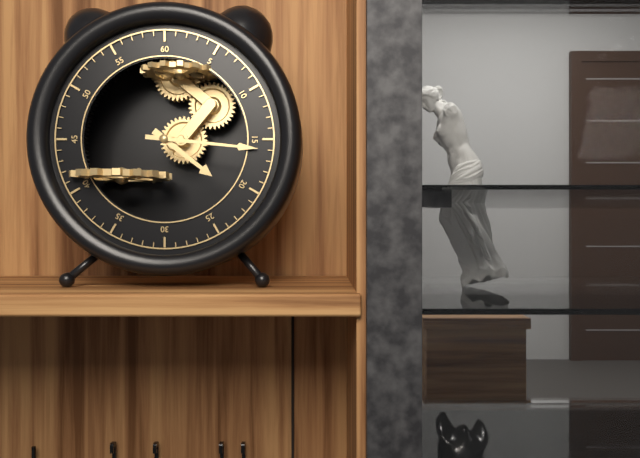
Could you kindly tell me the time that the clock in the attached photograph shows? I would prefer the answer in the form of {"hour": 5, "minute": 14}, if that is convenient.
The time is {"hour": 4, "minute": 16}
